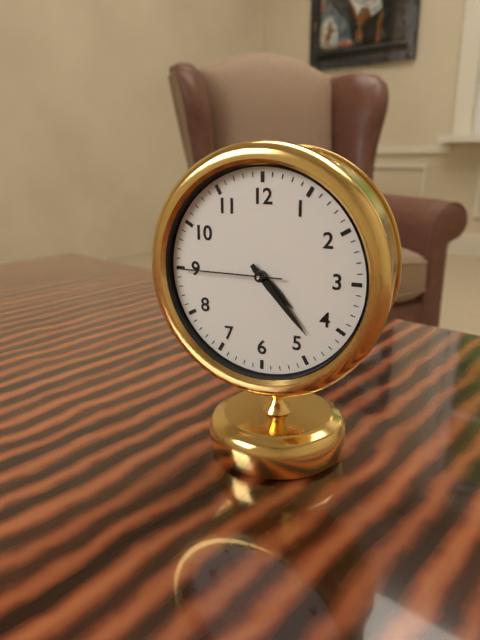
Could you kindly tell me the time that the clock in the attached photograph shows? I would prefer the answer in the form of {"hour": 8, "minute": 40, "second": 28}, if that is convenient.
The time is {"hour": 4, "minute": 23, "second": 45}
